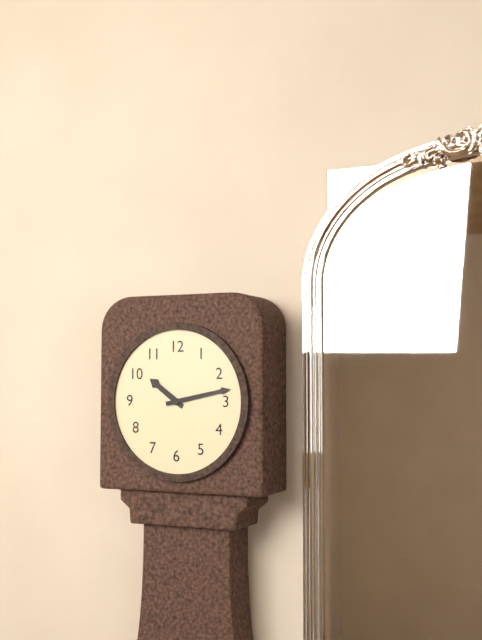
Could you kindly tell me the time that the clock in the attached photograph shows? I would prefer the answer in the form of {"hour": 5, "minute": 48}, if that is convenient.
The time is {"hour": 10, "minute": 13}
